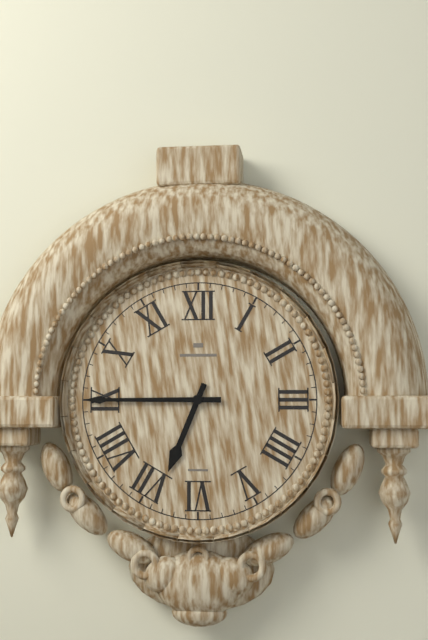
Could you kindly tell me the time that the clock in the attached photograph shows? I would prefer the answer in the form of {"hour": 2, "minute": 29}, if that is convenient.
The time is {"hour": 6, "minute": 45}
